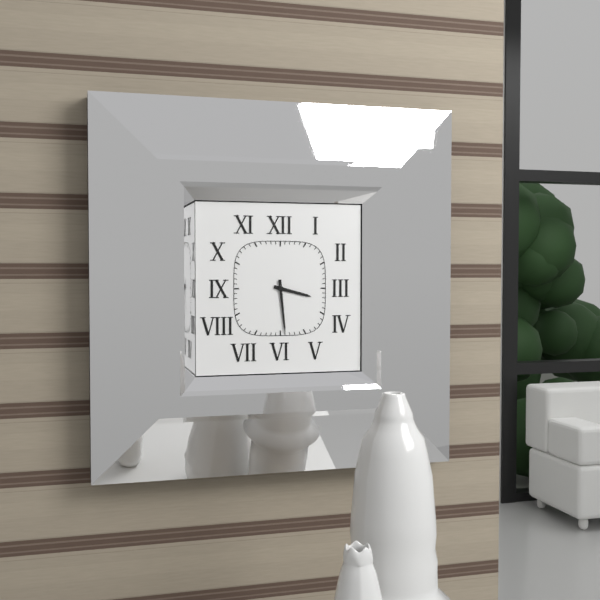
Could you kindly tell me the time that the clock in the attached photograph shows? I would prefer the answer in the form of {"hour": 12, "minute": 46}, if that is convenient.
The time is {"hour": 3, "minute": 29}
